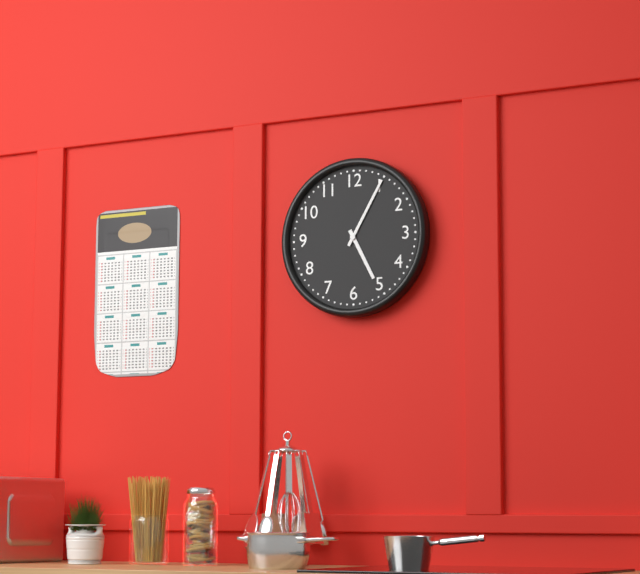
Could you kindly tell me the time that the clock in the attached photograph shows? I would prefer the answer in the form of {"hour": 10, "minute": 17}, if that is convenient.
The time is {"hour": 5, "minute": 5}
